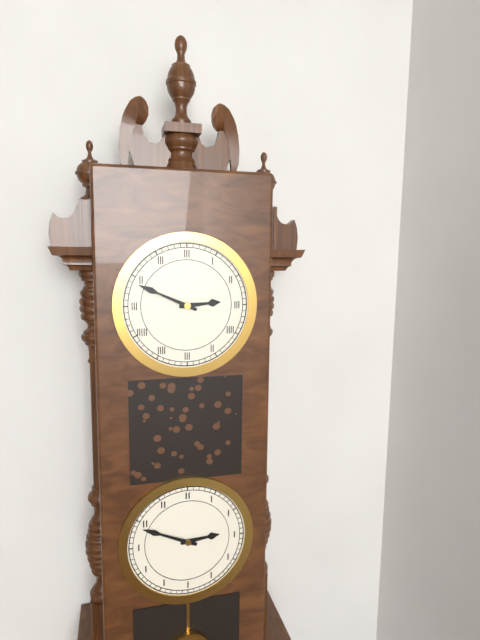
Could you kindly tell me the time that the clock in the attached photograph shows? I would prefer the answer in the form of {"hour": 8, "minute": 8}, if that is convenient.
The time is {"hour": 2, "minute": 49}
